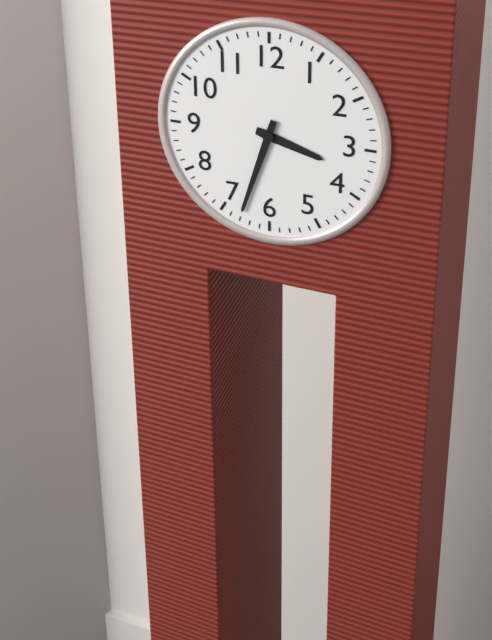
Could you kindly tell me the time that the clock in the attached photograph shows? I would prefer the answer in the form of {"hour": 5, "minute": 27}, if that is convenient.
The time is {"hour": 3, "minute": 33}
